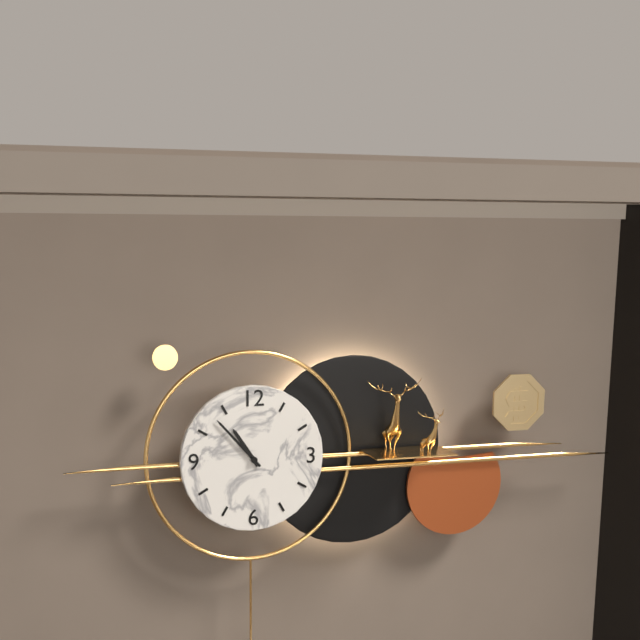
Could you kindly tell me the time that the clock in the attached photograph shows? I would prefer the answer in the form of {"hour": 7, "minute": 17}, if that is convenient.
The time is {"hour": 10, "minute": 53}
